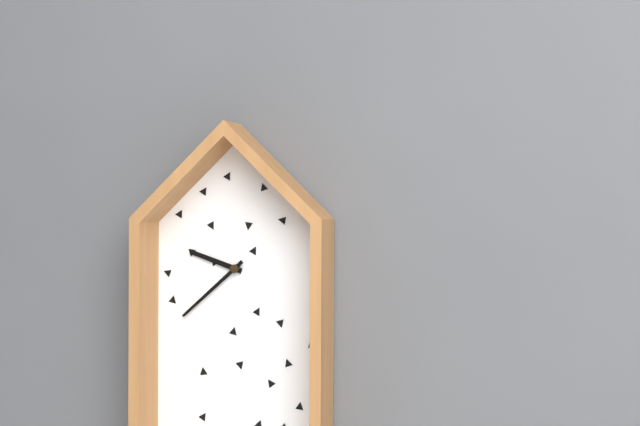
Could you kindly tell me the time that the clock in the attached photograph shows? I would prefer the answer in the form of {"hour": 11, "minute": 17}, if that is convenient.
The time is {"hour": 9, "minute": 38}
